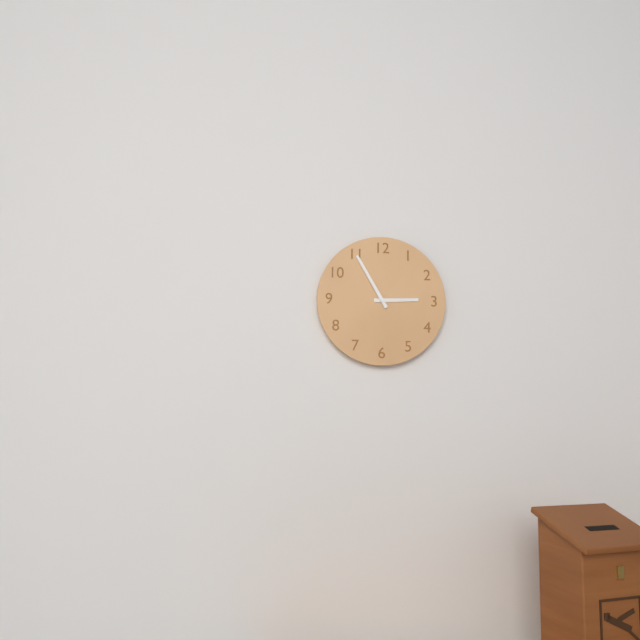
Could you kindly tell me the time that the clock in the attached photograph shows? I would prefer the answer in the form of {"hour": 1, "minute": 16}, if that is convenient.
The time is {"hour": 2, "minute": 55}
